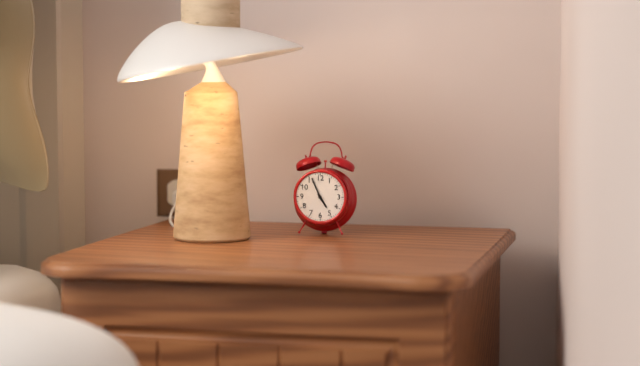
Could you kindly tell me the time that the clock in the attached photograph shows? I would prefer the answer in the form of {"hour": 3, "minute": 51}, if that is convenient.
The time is {"hour": 4, "minute": 56}
